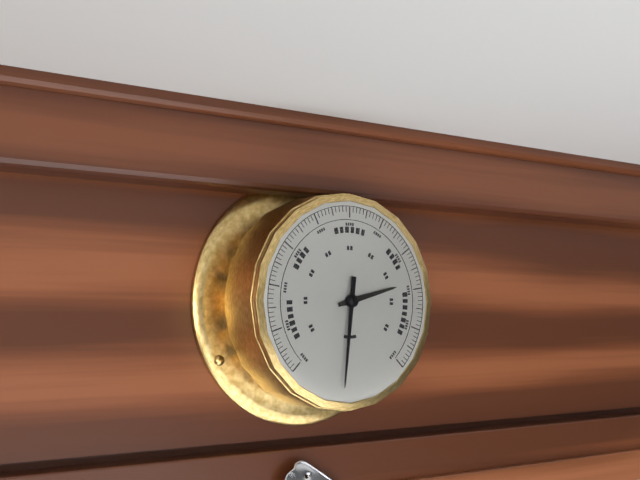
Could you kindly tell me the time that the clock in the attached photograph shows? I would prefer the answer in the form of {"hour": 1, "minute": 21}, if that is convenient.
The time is {"hour": 2, "minute": 31}
